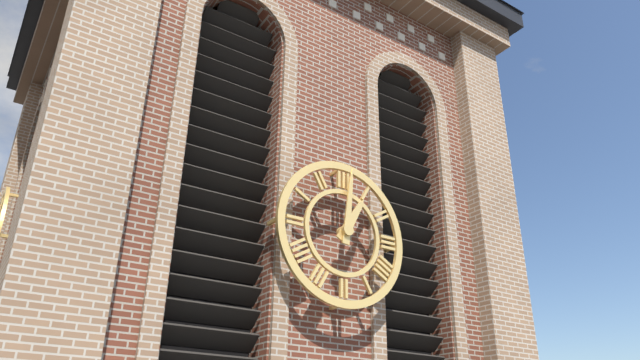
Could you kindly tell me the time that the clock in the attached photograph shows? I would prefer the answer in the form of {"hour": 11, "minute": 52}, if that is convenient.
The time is {"hour": 1, "minute": 1}
